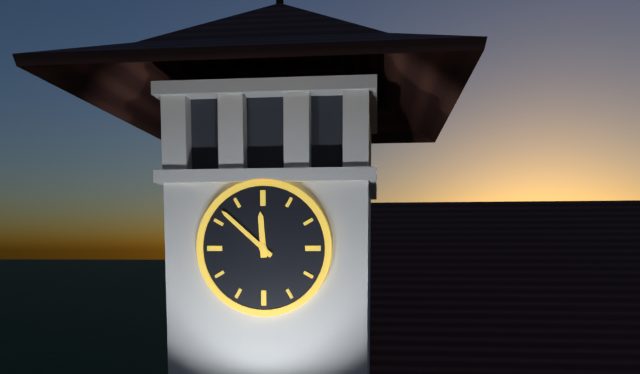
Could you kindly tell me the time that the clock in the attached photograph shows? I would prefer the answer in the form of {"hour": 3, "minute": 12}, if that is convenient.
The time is {"hour": 11, "minute": 52}
